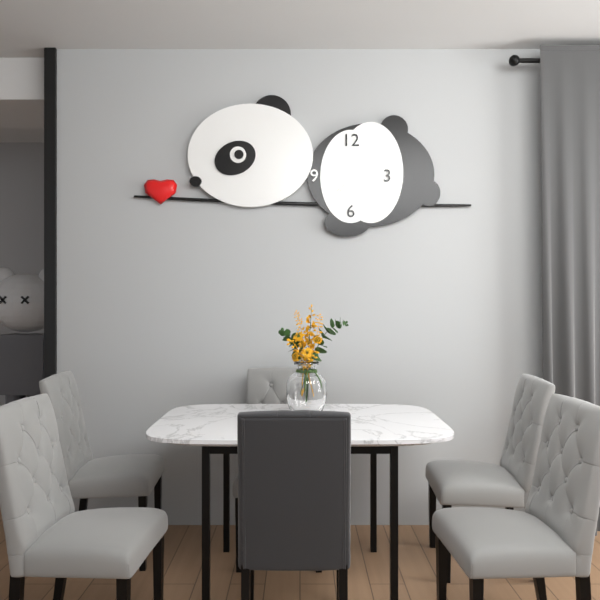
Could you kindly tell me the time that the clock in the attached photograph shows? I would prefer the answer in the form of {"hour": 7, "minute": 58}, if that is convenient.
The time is {"hour": 7, "minute": 35}
